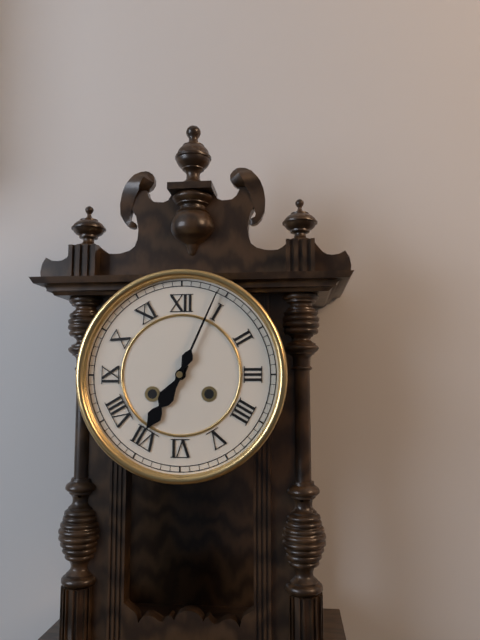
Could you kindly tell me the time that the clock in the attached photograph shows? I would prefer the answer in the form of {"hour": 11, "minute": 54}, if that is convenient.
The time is {"hour": 7, "minute": 4}
